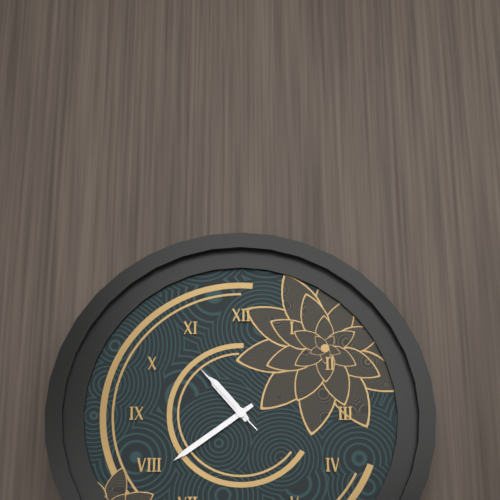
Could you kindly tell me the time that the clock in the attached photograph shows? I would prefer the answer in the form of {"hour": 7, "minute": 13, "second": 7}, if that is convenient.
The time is {"hour": 10, "minute": 39, "second": 53}
